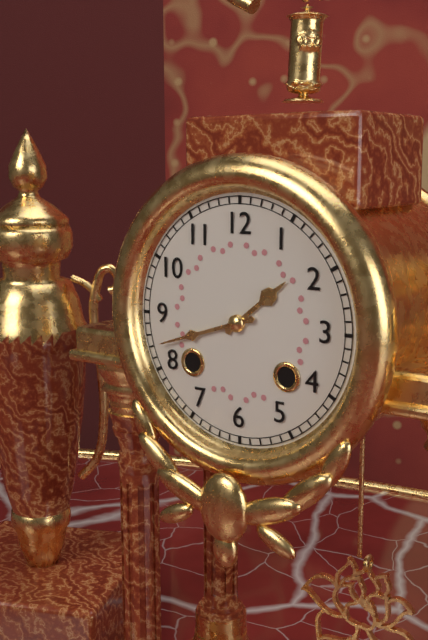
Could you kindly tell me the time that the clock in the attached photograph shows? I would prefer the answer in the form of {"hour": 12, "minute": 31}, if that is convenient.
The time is {"hour": 1, "minute": 42}
